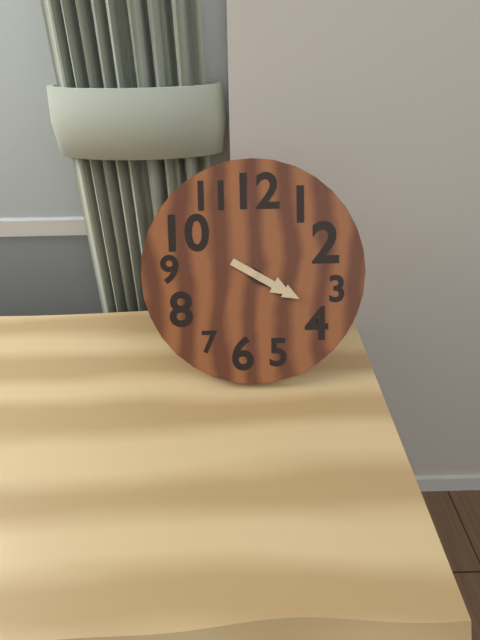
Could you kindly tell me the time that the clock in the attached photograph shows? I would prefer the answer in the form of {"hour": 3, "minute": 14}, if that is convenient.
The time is {"hour": 4, "minute": 20}
